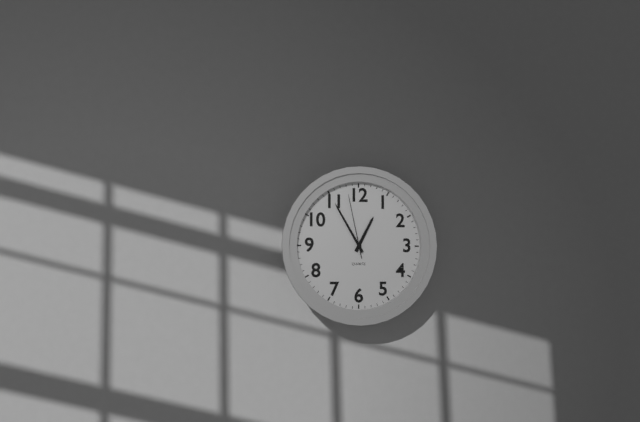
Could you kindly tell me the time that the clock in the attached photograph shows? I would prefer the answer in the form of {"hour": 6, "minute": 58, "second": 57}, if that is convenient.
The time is {"hour": 12, "minute": 55, "second": 58}
